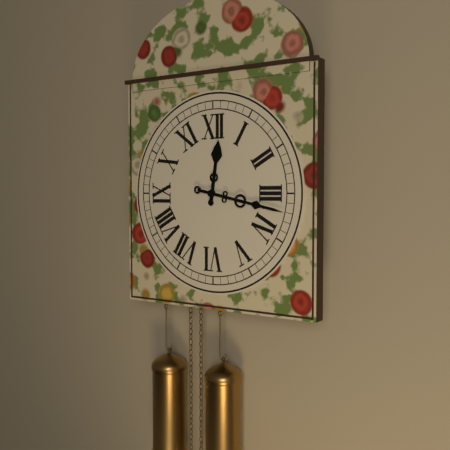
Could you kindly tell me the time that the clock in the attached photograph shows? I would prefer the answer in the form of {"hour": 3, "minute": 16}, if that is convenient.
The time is {"hour": 12, "minute": 17}
